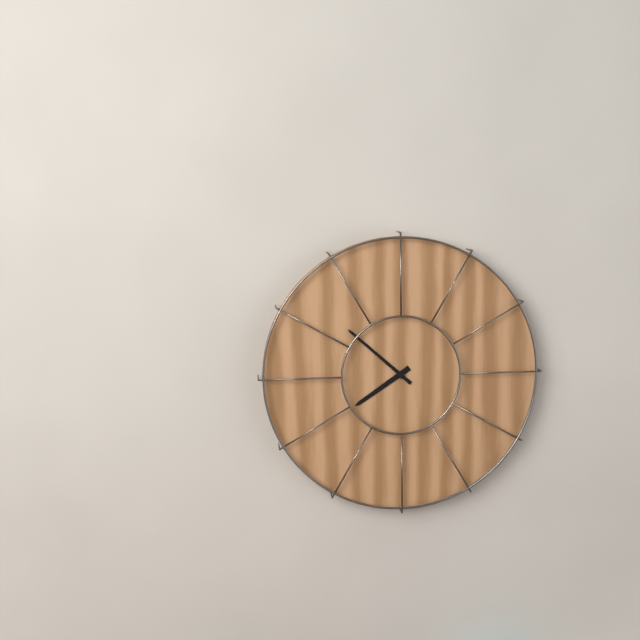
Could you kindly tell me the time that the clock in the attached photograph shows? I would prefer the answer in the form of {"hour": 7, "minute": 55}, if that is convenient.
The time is {"hour": 7, "minute": 52}
